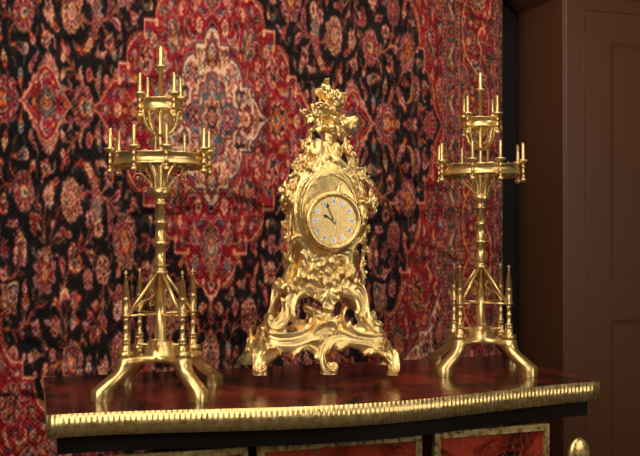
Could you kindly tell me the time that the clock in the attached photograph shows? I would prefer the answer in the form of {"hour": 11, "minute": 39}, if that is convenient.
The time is {"hour": 9, "minute": 56}
